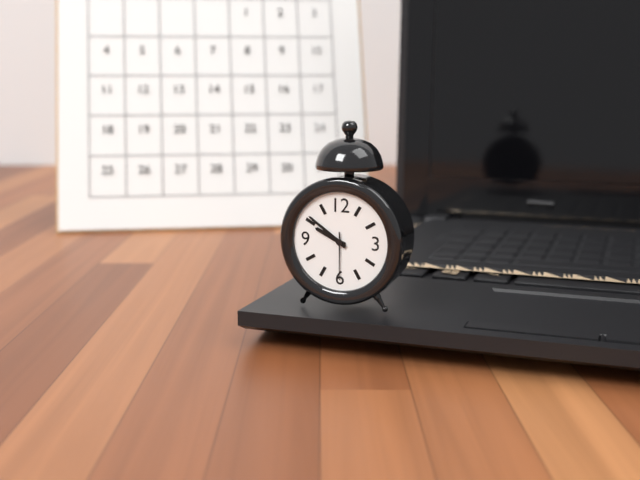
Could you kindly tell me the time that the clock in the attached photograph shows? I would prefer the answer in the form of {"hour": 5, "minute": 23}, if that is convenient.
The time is {"hour": 9, "minute": 51}
